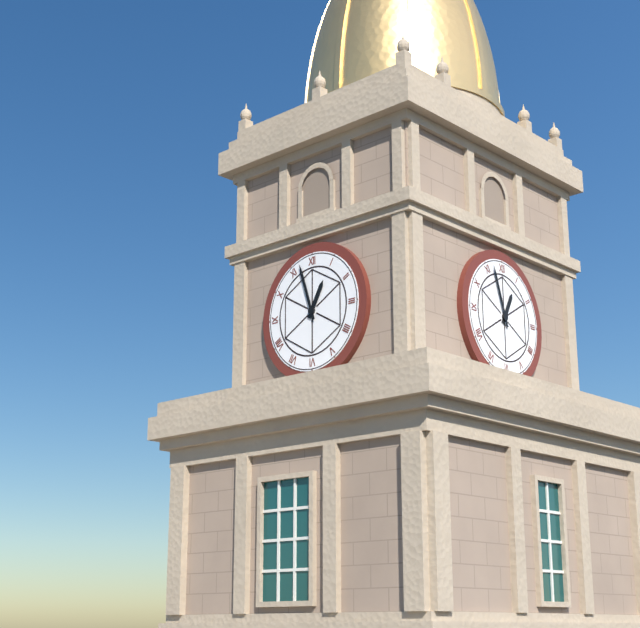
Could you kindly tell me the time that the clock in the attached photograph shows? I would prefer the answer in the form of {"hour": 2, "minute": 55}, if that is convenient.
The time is {"hour": 12, "minute": 57}
